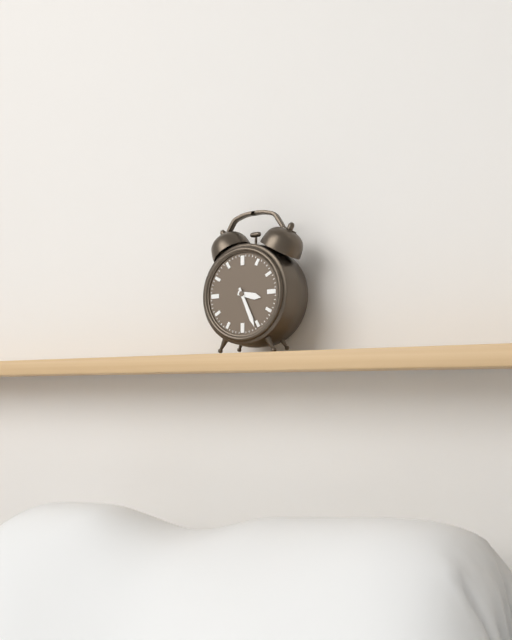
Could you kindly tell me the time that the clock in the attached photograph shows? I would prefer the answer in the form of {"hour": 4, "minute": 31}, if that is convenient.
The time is {"hour": 3, "minute": 26}
